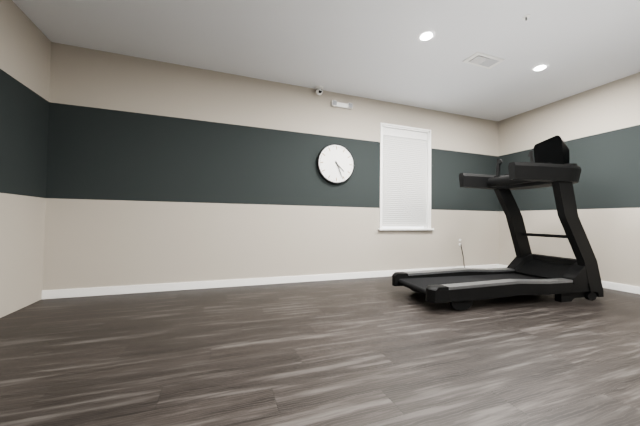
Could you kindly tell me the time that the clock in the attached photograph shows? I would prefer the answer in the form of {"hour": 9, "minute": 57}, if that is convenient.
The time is {"hour": 4, "minute": 26}
